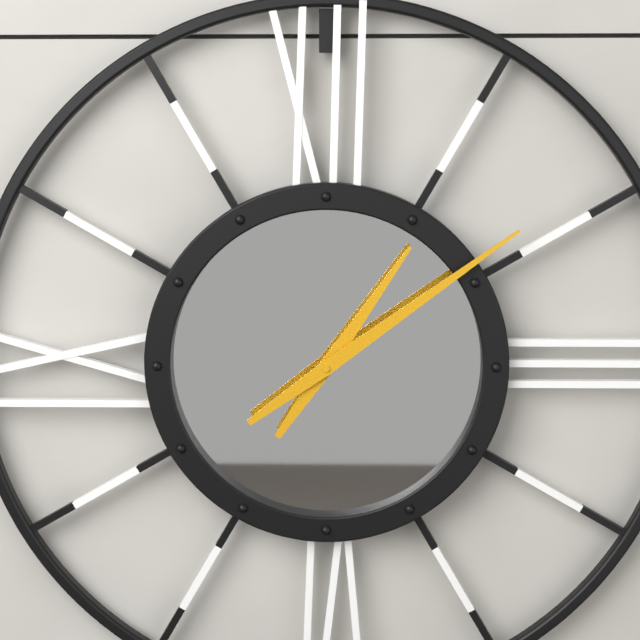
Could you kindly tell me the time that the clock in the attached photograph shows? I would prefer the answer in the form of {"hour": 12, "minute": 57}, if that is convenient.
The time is {"hour": 1, "minute": 9}
